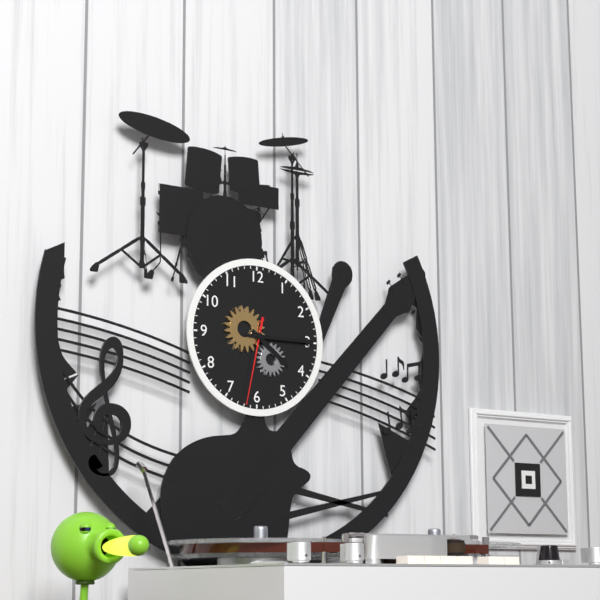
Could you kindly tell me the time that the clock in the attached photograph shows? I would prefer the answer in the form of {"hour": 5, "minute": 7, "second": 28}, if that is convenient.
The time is {"hour": 4, "minute": 15, "second": 32}
